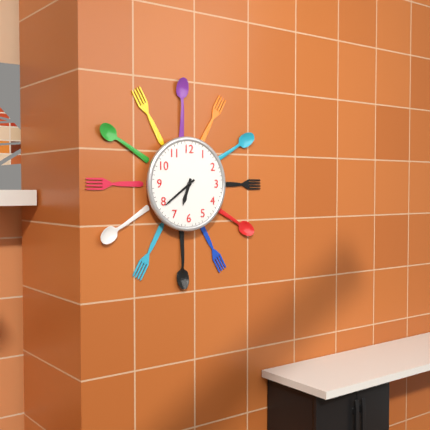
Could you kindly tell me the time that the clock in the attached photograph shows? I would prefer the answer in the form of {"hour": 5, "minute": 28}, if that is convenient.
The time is {"hour": 6, "minute": 39}
